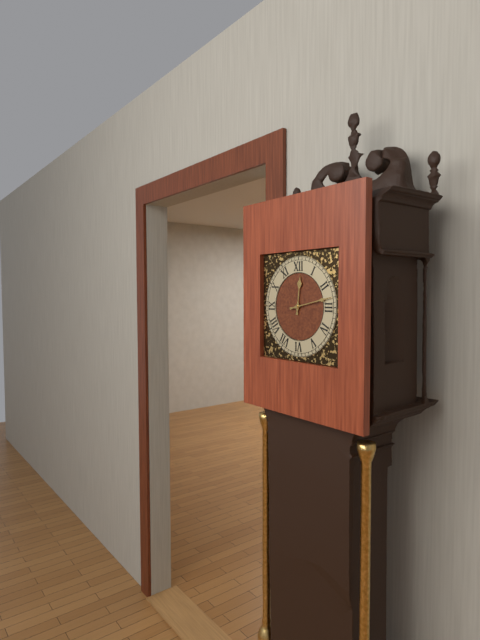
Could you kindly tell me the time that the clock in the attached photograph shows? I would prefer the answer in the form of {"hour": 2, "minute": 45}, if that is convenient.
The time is {"hour": 12, "minute": 13}
